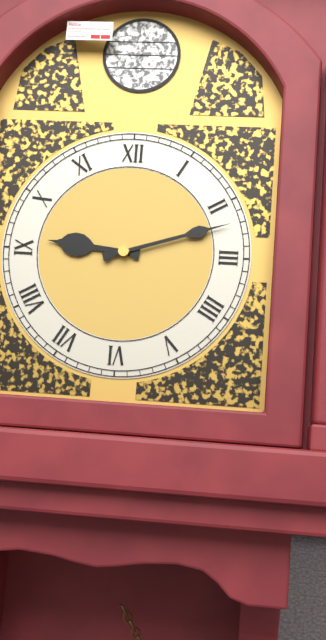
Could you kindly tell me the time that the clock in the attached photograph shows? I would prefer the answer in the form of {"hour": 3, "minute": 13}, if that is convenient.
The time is {"hour": 9, "minute": 12}
